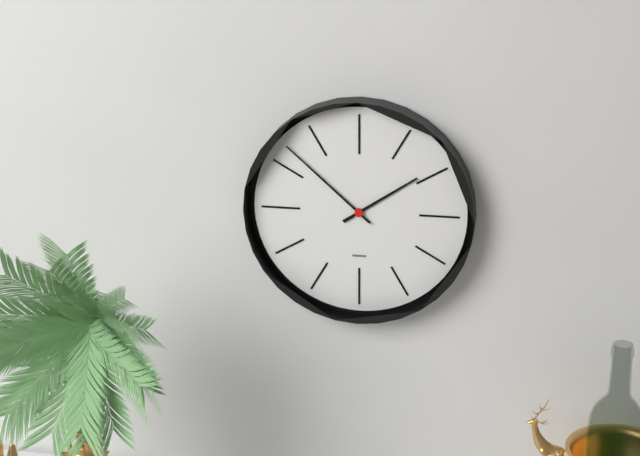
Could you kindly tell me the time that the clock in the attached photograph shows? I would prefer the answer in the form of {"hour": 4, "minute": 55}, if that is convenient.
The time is {"hour": 1, "minute": 52}
